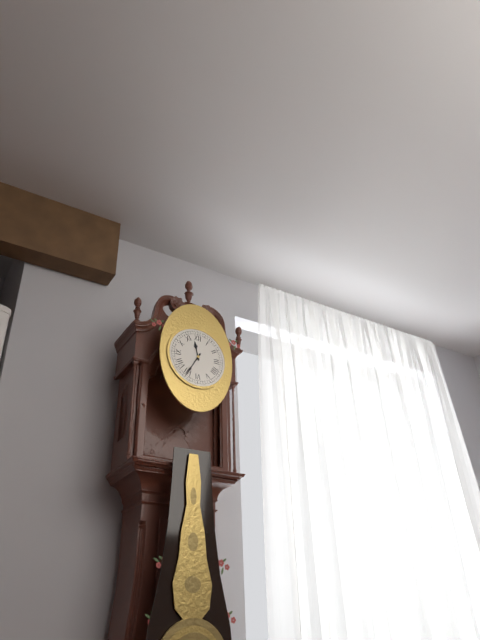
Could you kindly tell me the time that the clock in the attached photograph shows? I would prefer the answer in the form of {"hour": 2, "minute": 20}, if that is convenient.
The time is {"hour": 11, "minute": 35}
